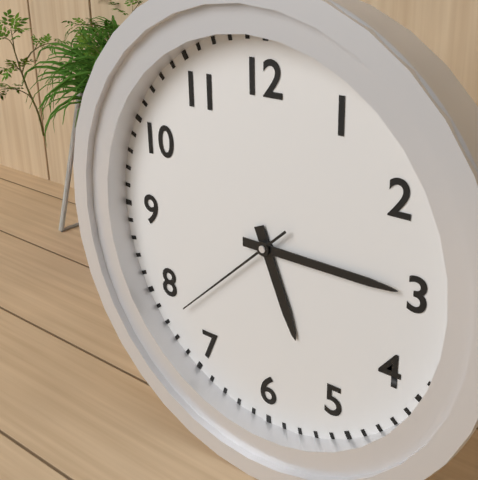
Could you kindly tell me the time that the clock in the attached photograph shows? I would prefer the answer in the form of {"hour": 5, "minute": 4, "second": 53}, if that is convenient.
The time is {"hour": 5, "minute": 15, "second": 38}
